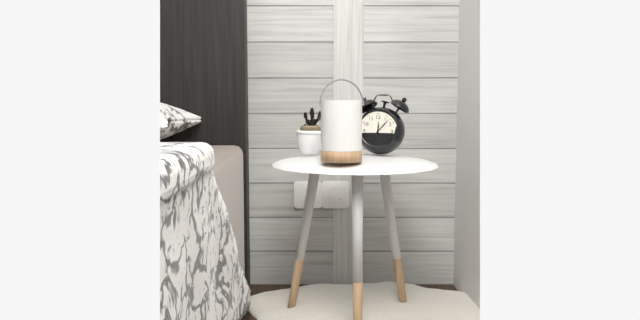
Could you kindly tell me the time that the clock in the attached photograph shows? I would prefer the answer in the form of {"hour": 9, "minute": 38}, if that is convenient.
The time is {"hour": 12, "minute": 7}
